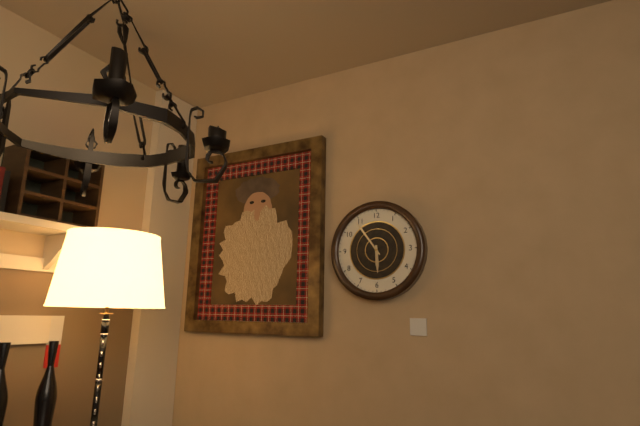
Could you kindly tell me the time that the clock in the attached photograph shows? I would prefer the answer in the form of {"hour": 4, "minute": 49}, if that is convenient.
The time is {"hour": 5, "minute": 54}
